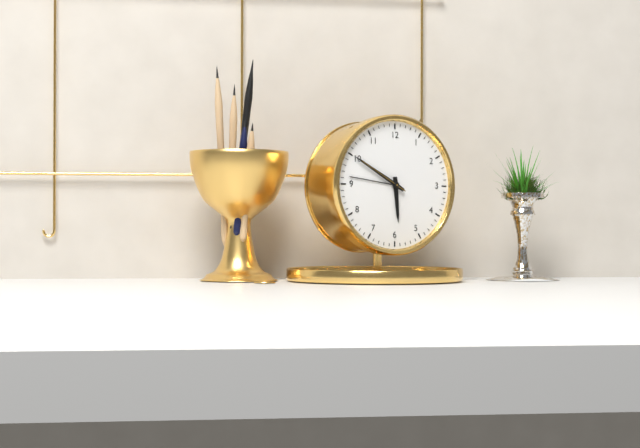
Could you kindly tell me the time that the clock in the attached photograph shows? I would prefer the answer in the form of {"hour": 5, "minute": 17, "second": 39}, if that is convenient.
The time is {"hour": 5, "minute": 50, "second": 50}
